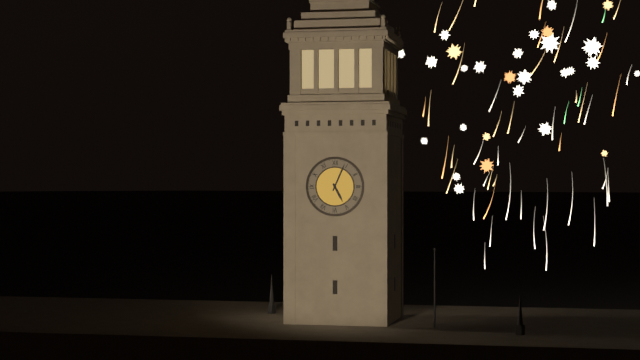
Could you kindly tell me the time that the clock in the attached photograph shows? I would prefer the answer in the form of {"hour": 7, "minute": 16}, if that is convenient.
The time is {"hour": 5, "minute": 4}
